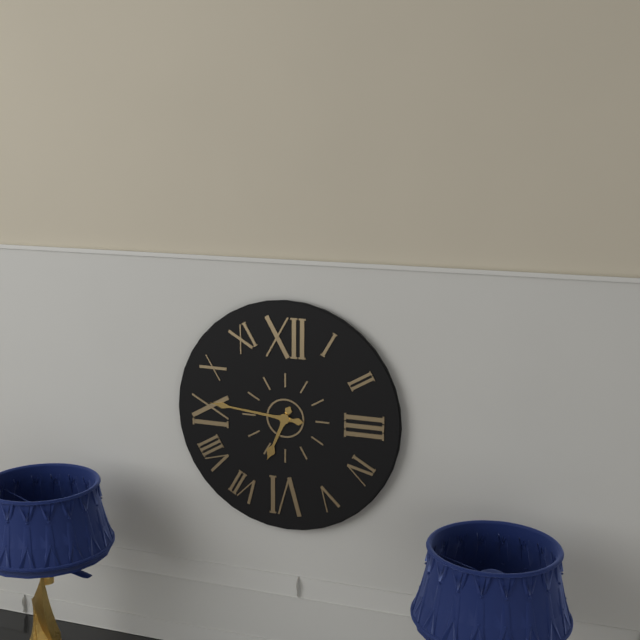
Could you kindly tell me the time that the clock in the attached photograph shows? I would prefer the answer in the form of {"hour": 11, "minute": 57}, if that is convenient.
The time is {"hour": 6, "minute": 46}
